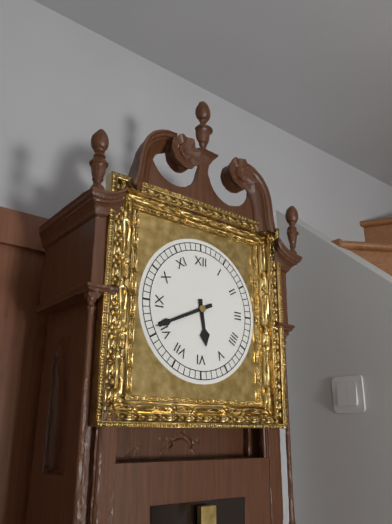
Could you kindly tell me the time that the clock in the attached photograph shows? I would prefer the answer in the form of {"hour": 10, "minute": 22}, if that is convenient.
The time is {"hour": 5, "minute": 41}
